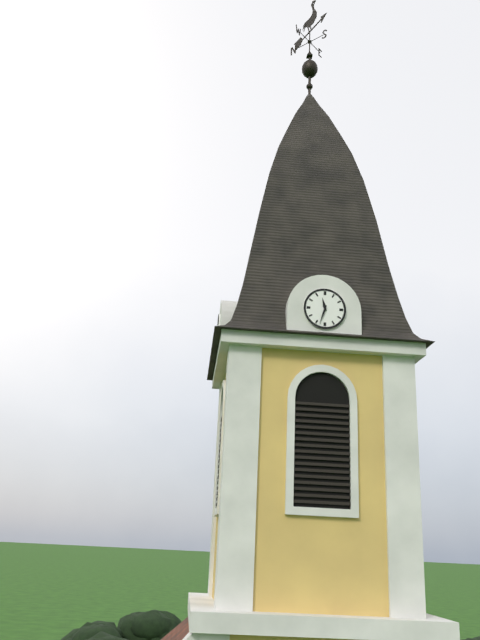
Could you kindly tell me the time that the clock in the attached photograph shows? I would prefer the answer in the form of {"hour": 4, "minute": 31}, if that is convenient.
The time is {"hour": 11, "minute": 33}
